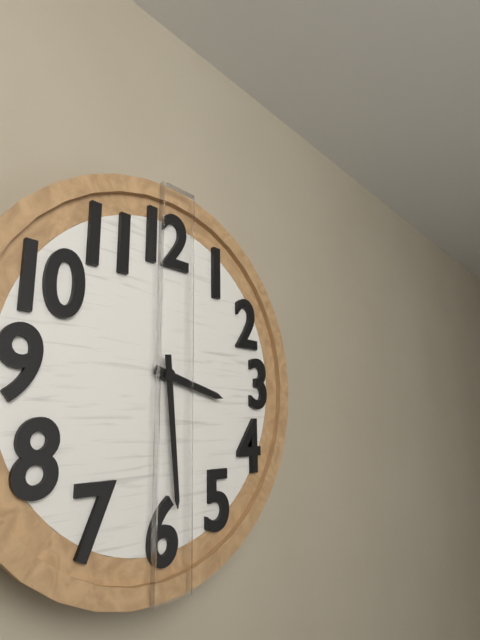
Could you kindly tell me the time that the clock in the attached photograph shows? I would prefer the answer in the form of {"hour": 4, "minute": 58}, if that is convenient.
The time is {"hour": 3, "minute": 29}
